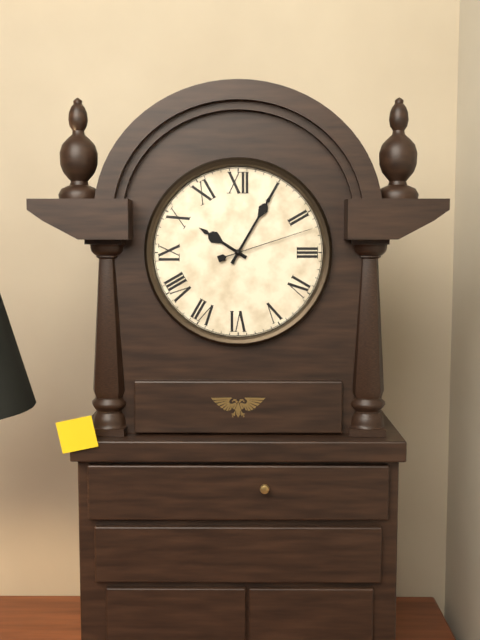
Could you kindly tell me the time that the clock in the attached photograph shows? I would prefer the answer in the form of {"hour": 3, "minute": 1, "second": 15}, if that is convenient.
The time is {"hour": 10, "minute": 5, "second": 12}
